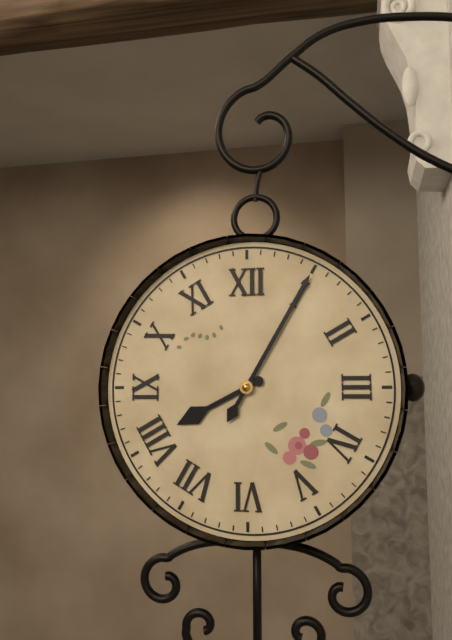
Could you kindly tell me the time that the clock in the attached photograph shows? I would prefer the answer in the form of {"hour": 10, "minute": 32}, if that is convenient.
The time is {"hour": 8, "minute": 5}
